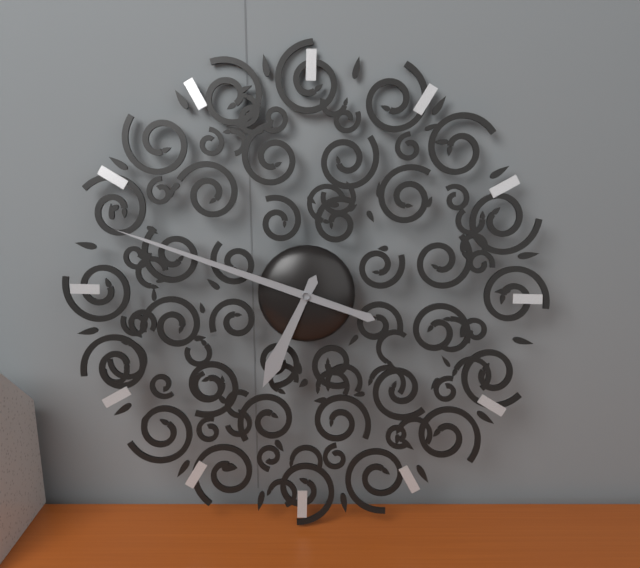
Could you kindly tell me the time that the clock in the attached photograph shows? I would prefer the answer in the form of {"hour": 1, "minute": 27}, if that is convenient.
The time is {"hour": 6, "minute": 48}
